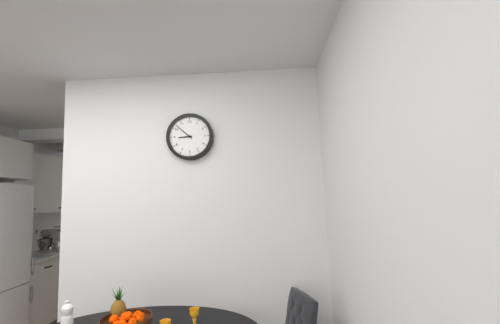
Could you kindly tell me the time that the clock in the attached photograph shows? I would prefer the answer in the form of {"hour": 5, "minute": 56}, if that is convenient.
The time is {"hour": 8, "minute": 52}
